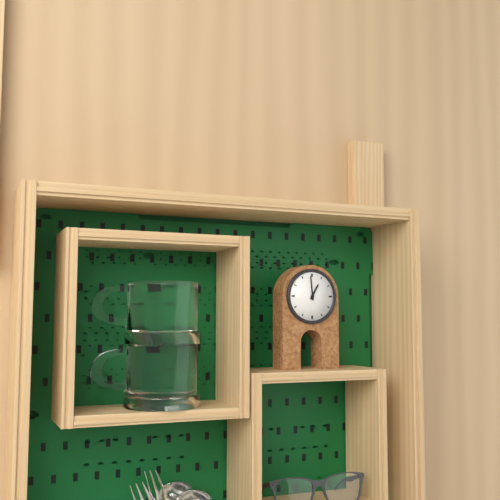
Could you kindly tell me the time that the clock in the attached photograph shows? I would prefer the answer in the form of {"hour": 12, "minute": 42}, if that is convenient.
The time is {"hour": 12, "minute": 59}
